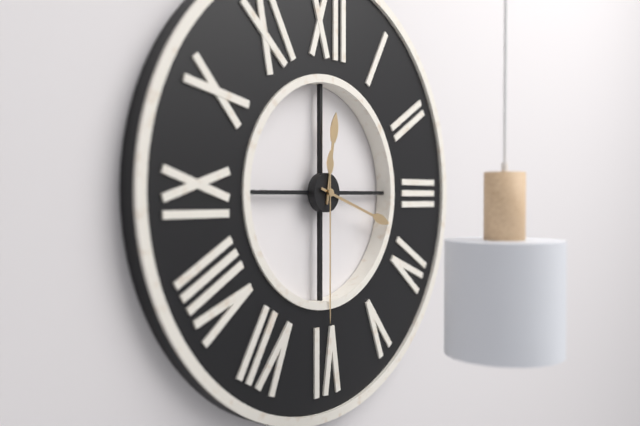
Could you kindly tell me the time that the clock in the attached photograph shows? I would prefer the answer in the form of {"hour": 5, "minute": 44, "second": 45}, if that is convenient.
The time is {"hour": 12, "minute": 18, "second": 30}
